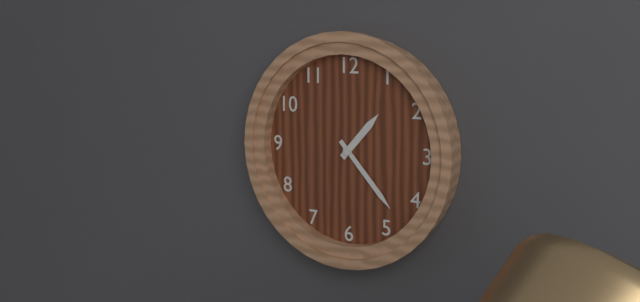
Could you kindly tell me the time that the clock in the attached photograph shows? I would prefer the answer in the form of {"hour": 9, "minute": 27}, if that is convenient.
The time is {"hour": 1, "minute": 23}
